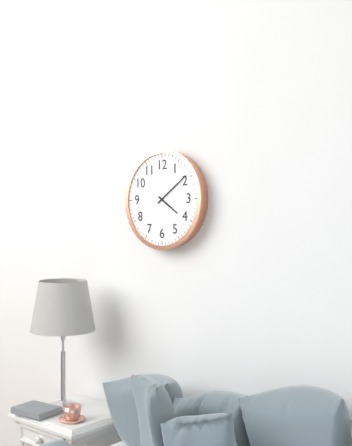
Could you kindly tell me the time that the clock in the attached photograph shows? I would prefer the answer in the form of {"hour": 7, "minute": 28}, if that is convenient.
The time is {"hour": 4, "minute": 9}
